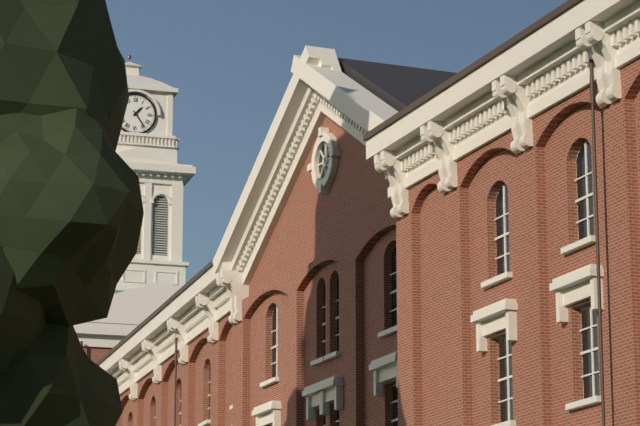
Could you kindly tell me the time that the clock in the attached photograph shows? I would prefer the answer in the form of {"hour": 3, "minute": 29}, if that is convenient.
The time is {"hour": 1, "minute": 24}
